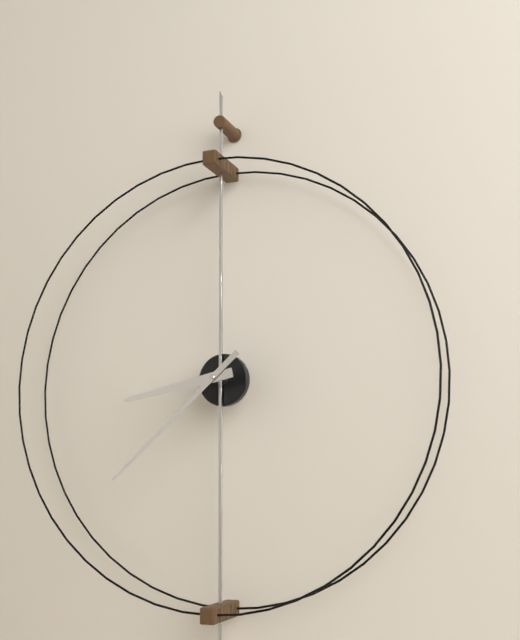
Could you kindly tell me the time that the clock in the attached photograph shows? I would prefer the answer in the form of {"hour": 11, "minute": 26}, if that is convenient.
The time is {"hour": 8, "minute": 38}
